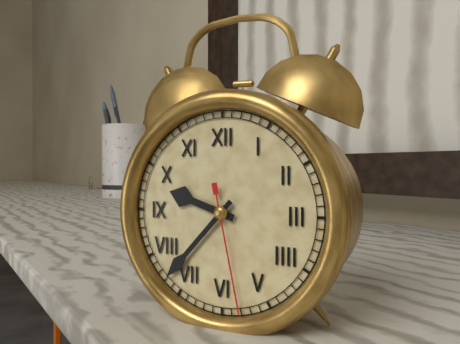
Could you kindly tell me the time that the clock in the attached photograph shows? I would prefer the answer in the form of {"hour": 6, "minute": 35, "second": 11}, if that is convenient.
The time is {"hour": 9, "minute": 37, "second": 28}
